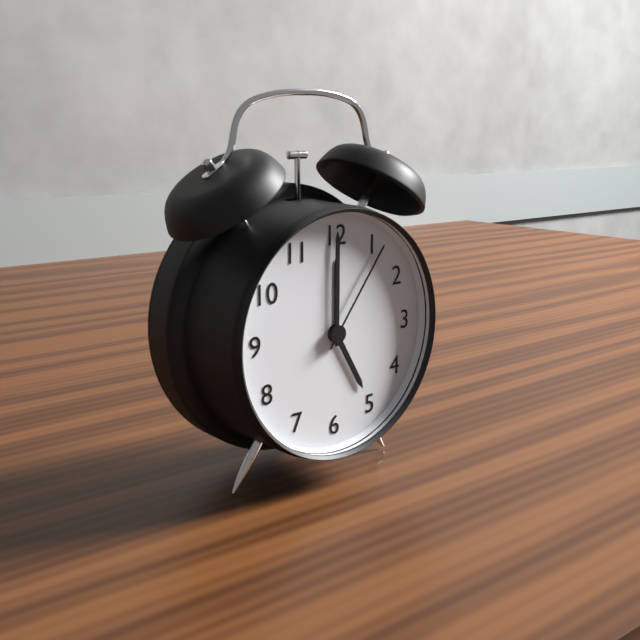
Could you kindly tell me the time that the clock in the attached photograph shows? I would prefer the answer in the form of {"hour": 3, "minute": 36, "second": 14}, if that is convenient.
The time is {"hour": 5, "minute": 0, "second": 6}
